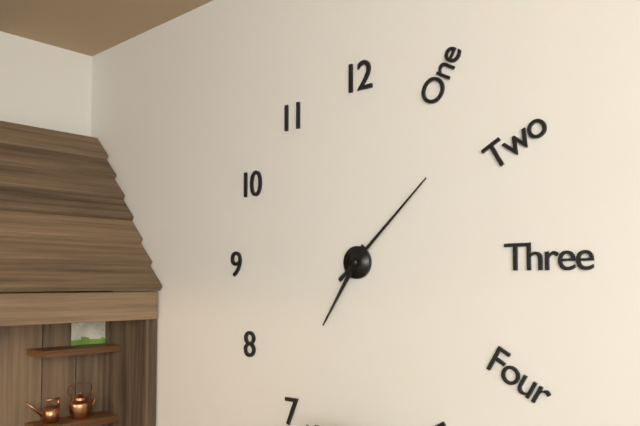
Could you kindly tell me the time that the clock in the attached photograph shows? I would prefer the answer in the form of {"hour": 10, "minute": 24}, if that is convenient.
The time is {"hour": 7, "minute": 8}
